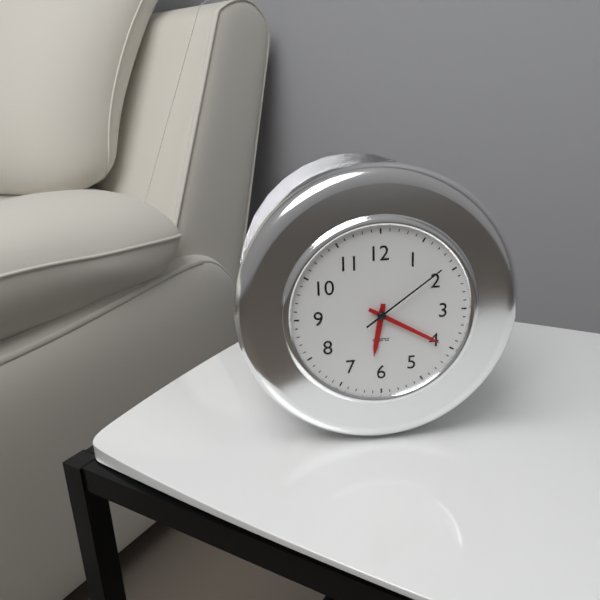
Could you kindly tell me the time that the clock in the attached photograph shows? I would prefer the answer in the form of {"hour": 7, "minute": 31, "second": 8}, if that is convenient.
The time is {"hour": 6, "minute": 20, "second": 9}
